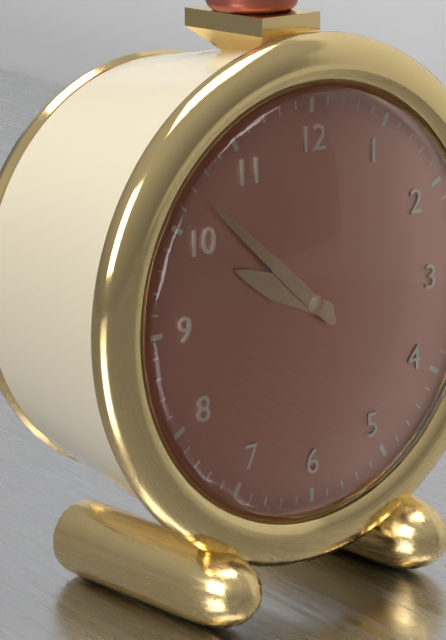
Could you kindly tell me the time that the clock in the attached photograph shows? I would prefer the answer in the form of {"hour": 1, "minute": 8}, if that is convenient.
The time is {"hour": 9, "minute": 52}
